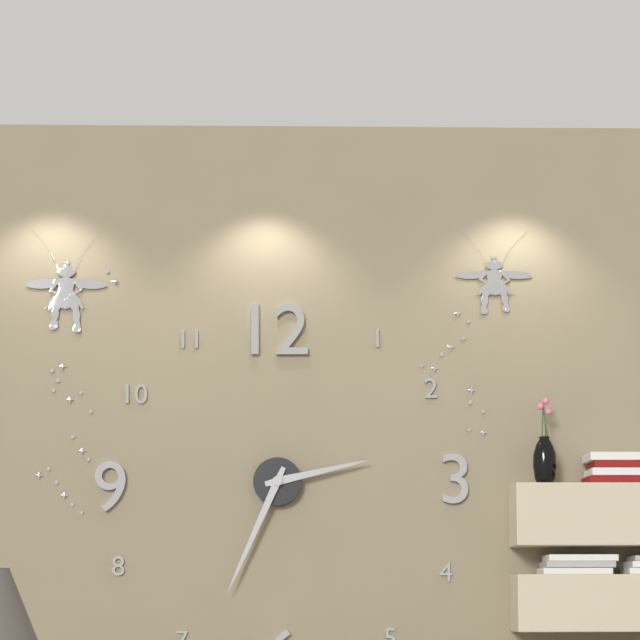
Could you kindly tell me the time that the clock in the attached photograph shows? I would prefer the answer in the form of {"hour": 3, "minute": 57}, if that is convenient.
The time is {"hour": 2, "minute": 34}
